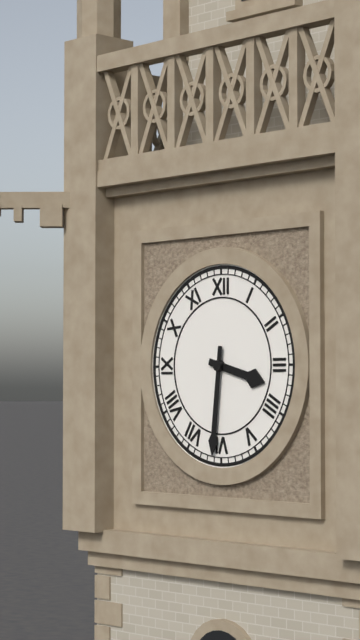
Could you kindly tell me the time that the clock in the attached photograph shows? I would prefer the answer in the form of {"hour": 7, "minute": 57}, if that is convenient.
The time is {"hour": 3, "minute": 31}
